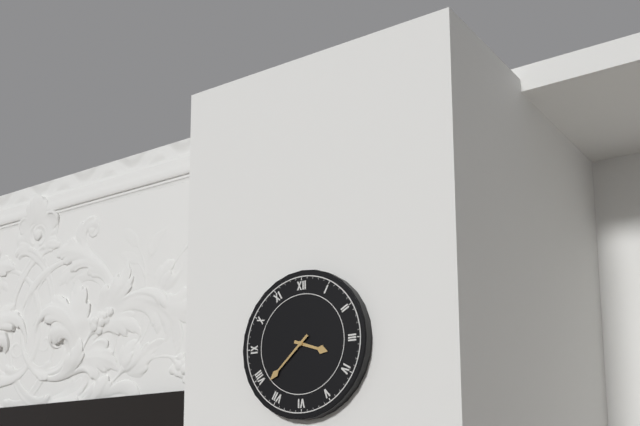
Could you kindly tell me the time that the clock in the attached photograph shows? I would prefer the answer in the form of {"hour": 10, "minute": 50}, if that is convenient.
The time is {"hour": 3, "minute": 38}
